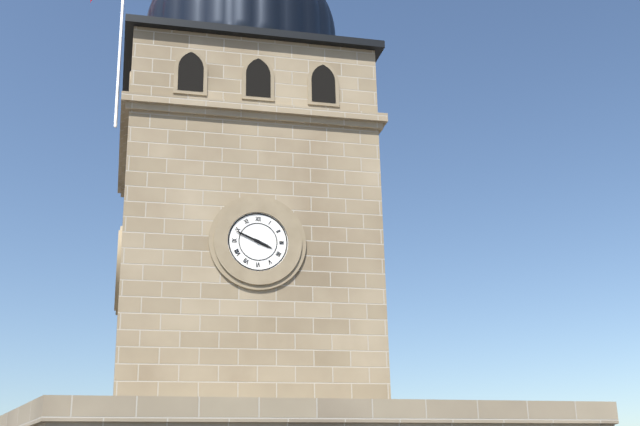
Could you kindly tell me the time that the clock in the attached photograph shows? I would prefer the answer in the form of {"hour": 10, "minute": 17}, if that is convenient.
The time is {"hour": 3, "minute": 49}
